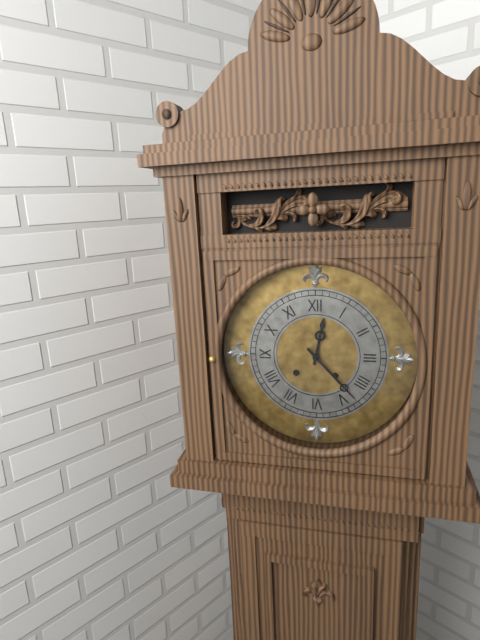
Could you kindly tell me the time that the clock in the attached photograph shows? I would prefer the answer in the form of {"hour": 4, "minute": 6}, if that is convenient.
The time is {"hour": 12, "minute": 23}
